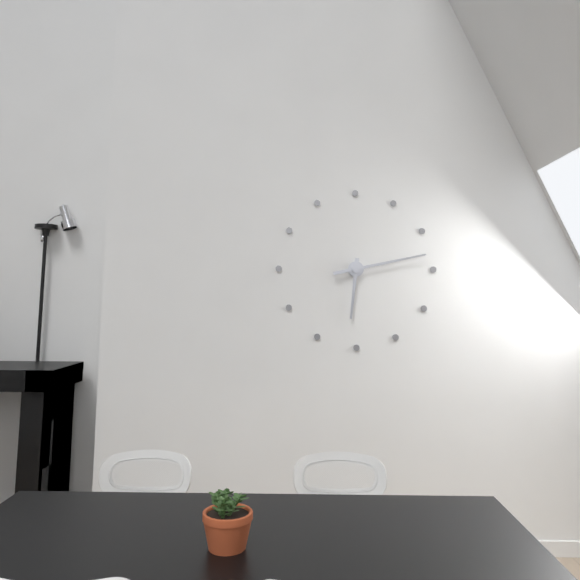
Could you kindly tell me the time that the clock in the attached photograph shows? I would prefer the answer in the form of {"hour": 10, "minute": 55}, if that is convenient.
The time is {"hour": 6, "minute": 13}
